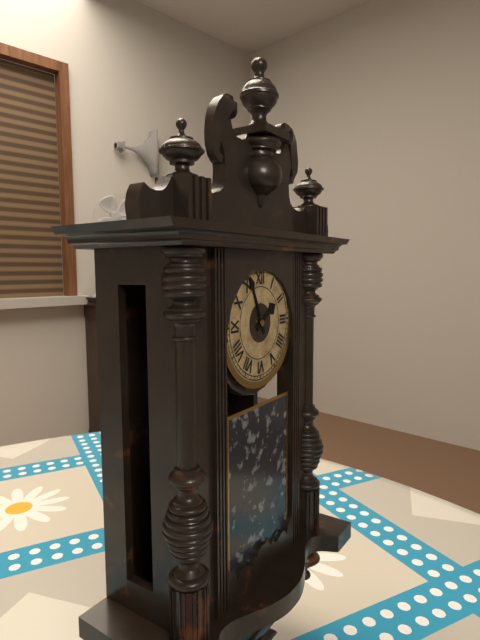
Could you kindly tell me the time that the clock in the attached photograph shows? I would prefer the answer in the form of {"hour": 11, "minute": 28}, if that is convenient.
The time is {"hour": 1, "minute": 56}
